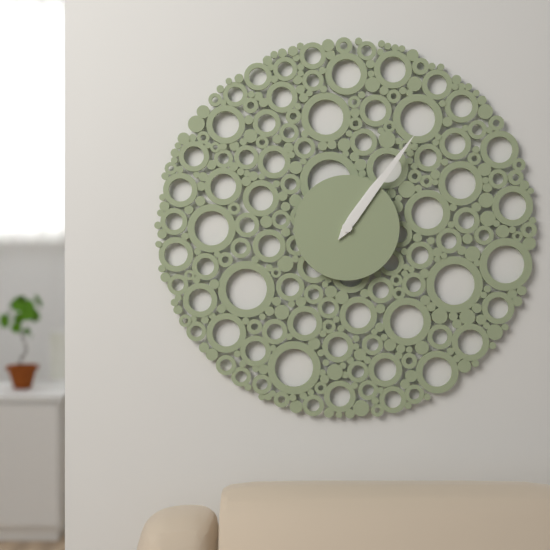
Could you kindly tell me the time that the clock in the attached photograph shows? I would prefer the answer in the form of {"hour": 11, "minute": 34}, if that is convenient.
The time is {"hour": 1, "minute": 6}
